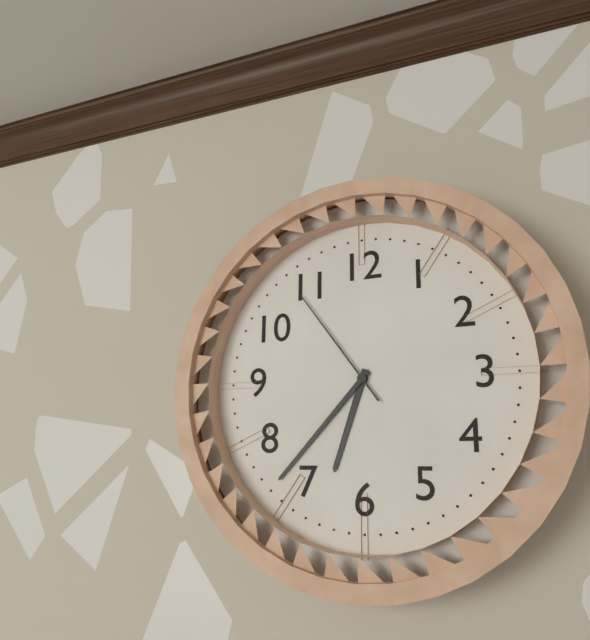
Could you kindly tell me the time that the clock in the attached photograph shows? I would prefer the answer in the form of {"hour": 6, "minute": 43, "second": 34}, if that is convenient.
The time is {"hour": 6, "minute": 37, "second": 54}
